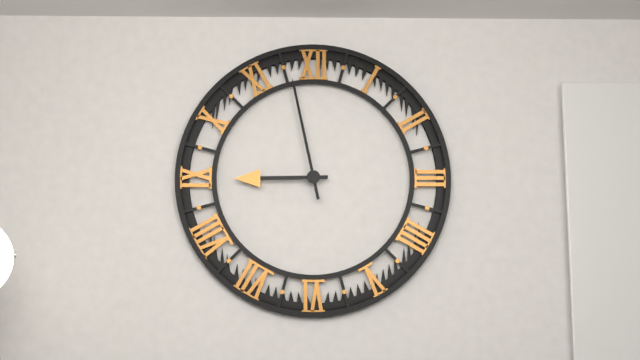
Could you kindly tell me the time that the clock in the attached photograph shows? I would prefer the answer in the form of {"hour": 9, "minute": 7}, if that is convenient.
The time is {"hour": 8, "minute": 58}
